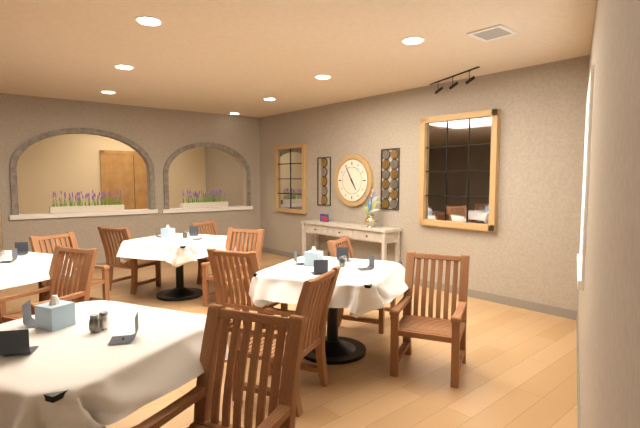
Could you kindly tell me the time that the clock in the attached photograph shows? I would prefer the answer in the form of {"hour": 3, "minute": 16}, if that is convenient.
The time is {"hour": 4, "minute": 55}
